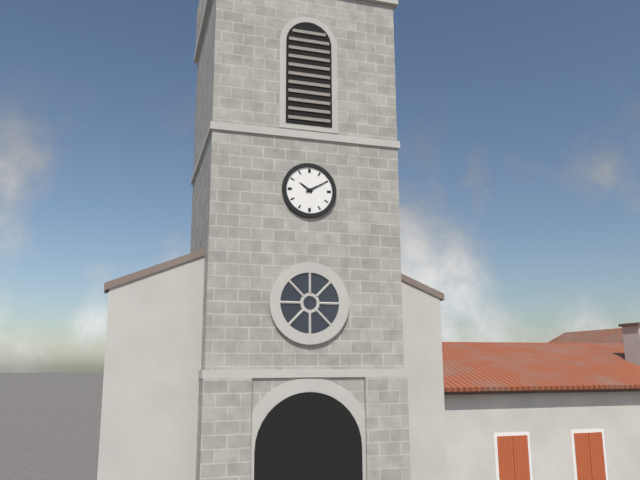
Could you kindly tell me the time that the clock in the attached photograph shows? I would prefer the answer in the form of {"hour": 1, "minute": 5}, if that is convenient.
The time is {"hour": 10, "minute": 10}
